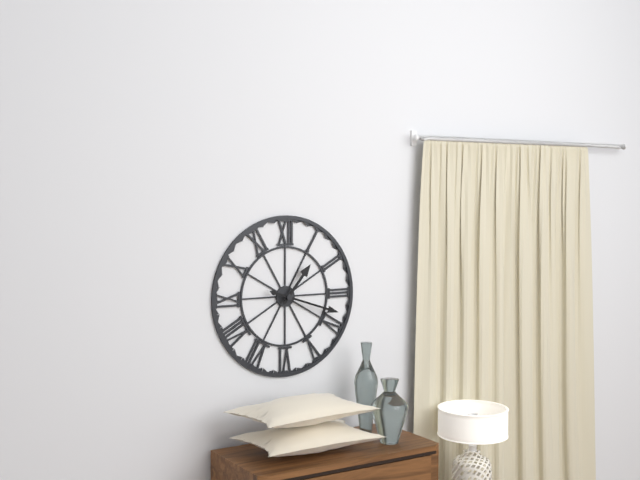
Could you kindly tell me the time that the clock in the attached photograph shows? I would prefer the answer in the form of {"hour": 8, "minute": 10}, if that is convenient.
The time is {"hour": 1, "minute": 18}
